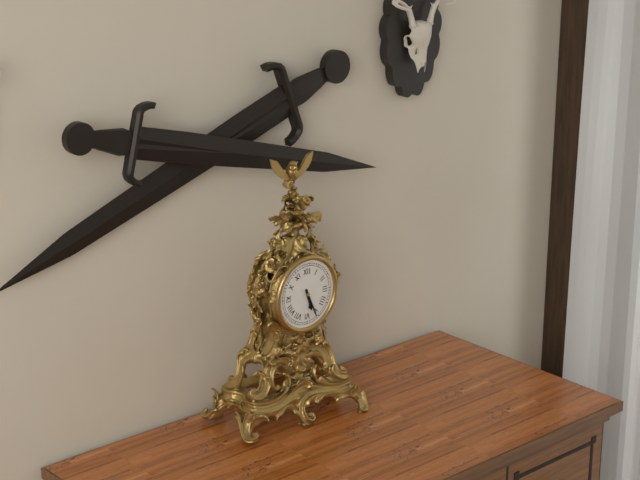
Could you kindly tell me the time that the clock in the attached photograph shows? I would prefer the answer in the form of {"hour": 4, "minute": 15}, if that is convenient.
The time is {"hour": 5, "minute": 26}
